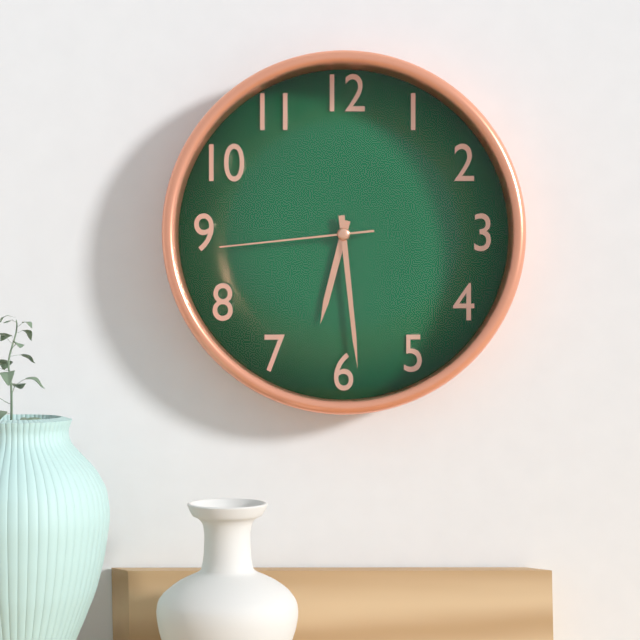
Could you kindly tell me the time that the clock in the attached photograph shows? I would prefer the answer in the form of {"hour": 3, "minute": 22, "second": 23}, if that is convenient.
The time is {"hour": 6, "minute": 29, "second": 44}
